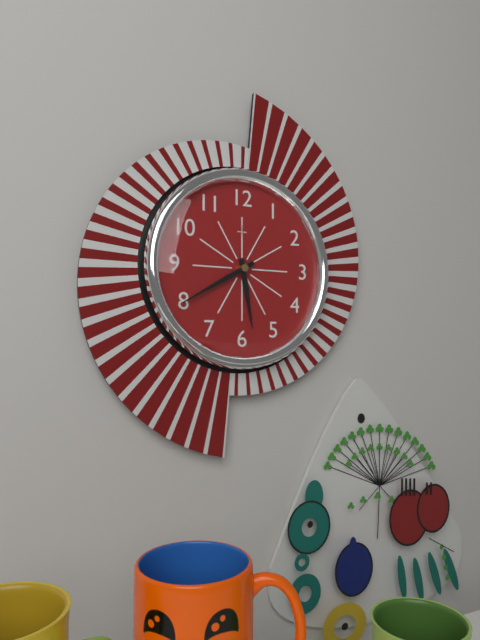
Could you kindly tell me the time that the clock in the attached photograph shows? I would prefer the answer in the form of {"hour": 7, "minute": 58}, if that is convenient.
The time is {"hour": 5, "minute": 40}
